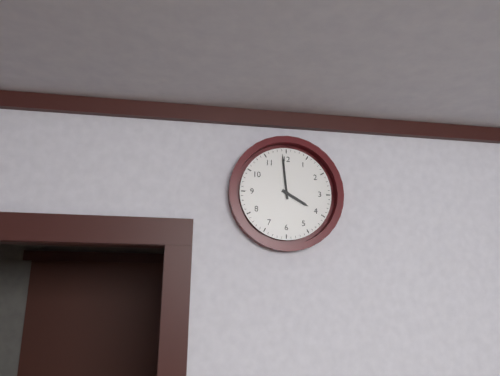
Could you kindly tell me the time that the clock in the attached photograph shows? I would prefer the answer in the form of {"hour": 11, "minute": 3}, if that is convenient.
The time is {"hour": 3, "minute": 59}
